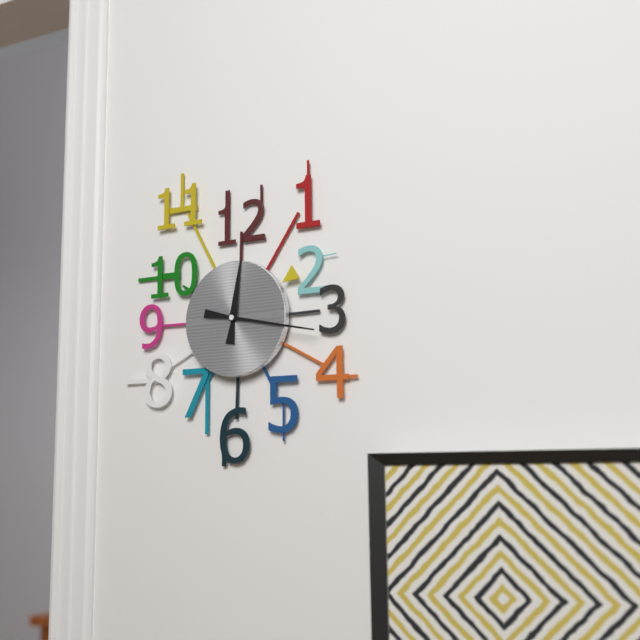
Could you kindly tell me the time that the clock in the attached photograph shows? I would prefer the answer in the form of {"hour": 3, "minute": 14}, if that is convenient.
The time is {"hour": 12, "minute": 17}
